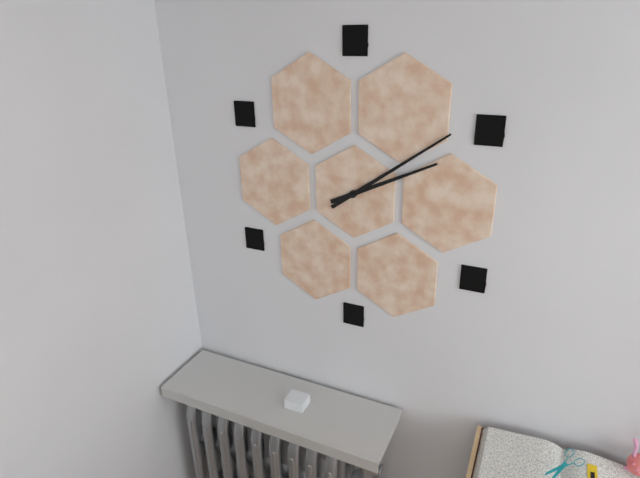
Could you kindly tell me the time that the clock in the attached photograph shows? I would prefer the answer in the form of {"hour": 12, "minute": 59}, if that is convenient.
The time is {"hour": 2, "minute": 9}
